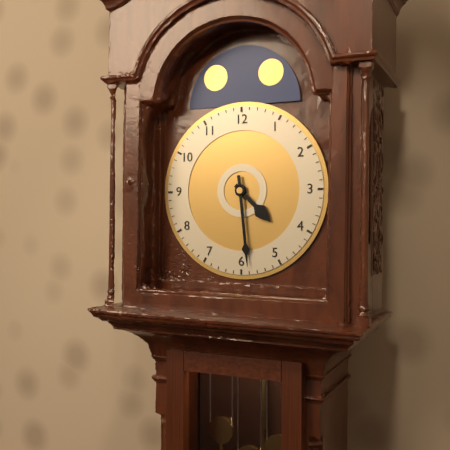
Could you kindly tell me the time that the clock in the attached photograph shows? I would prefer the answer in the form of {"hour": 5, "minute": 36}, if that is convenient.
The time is {"hour": 4, "minute": 29}
